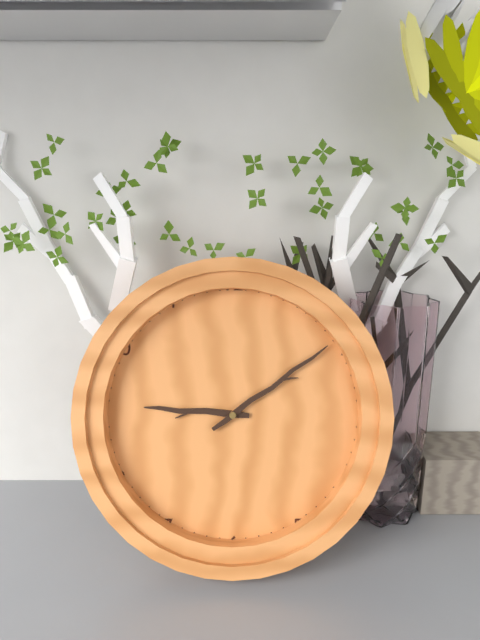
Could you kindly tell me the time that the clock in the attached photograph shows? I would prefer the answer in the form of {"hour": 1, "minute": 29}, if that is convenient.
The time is {"hour": 9, "minute": 9}
